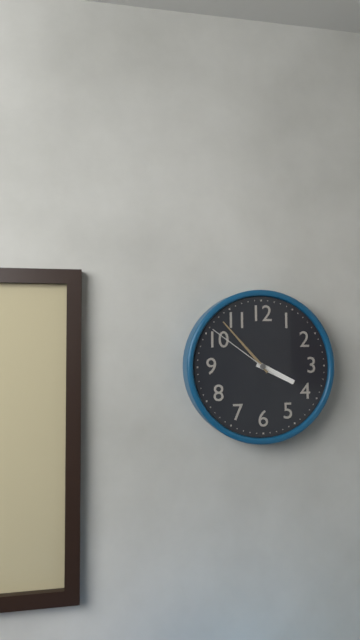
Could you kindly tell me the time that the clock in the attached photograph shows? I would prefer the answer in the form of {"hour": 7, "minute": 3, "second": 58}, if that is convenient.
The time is {"hour": 3, "minute": 53, "second": 51}
